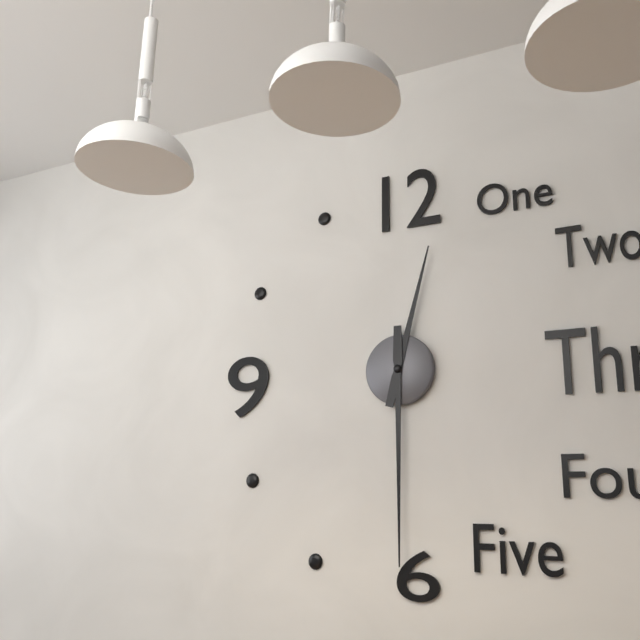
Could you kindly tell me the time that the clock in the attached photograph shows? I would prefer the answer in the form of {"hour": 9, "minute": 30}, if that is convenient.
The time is {"hour": 12, "minute": 30}
